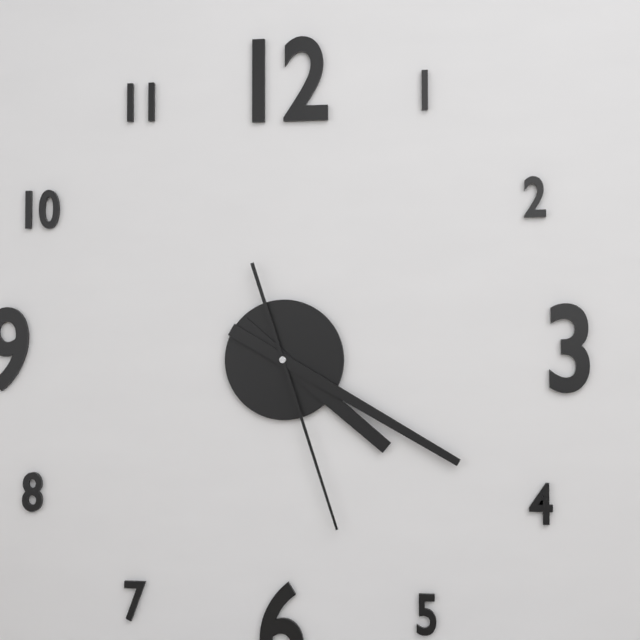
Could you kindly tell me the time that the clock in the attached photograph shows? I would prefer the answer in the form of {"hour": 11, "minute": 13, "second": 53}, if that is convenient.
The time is {"hour": 4, "minute": 20, "second": 27}
